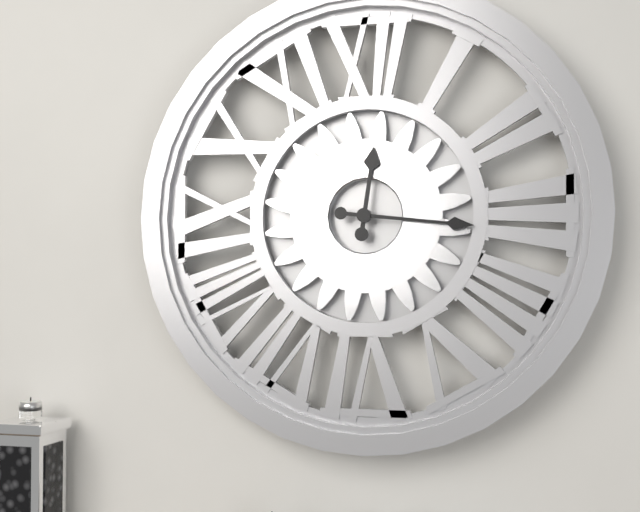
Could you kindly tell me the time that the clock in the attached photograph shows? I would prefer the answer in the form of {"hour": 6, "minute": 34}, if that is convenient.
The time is {"hour": 12, "minute": 16}
